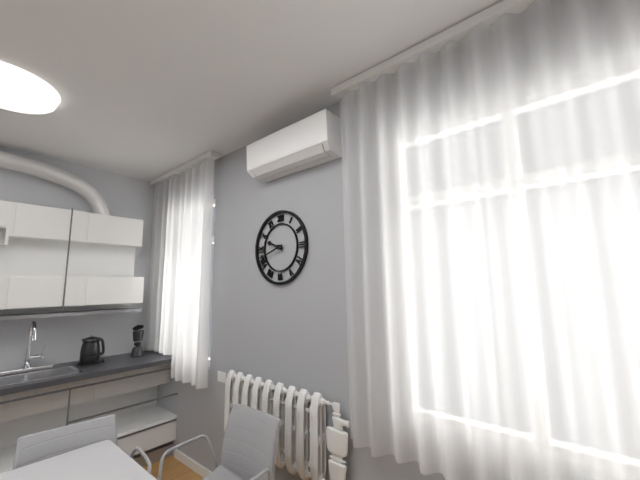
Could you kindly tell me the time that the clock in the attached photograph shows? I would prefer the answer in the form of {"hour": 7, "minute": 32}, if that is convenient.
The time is {"hour": 9, "minute": 42}
